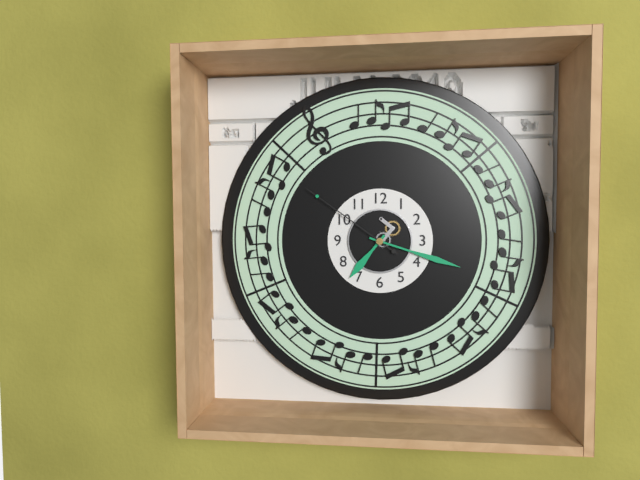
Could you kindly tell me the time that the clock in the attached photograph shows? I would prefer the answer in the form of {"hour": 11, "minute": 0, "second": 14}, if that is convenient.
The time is {"hour": 7, "minute": 18, "second": 51}
